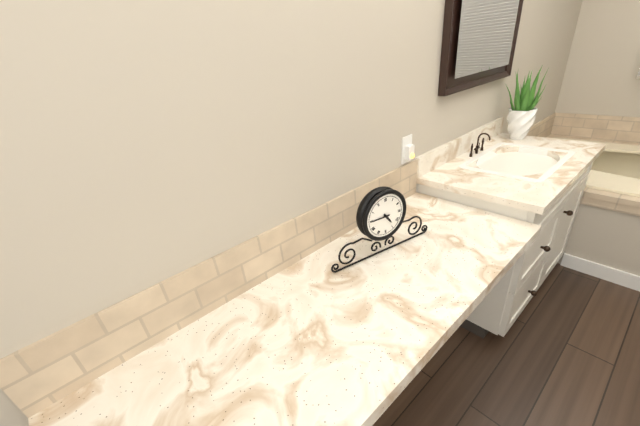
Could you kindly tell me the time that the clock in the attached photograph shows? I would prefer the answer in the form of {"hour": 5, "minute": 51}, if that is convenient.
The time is {"hour": 4, "minute": 45}
